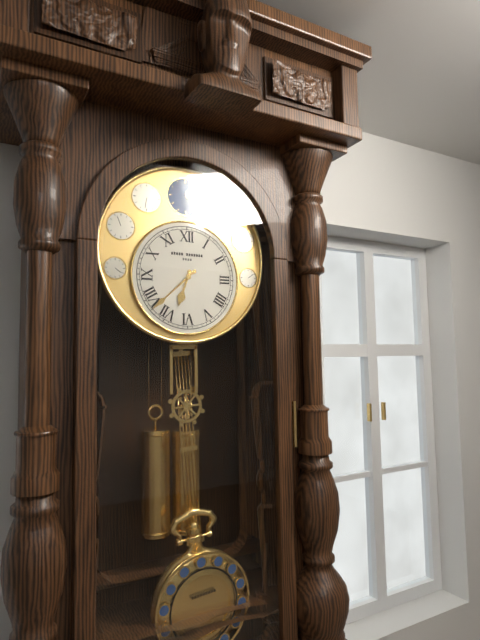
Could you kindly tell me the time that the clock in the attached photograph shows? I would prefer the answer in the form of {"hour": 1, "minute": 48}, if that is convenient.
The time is {"hour": 6, "minute": 38}
